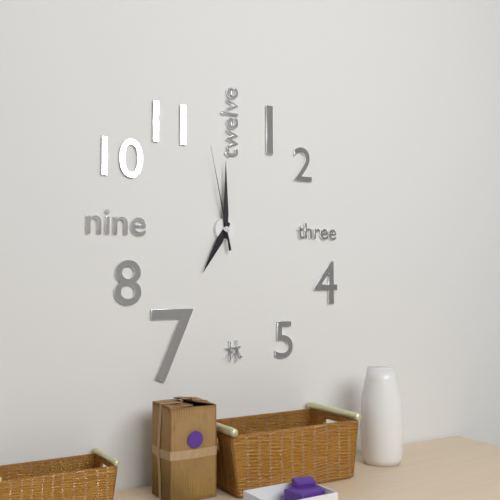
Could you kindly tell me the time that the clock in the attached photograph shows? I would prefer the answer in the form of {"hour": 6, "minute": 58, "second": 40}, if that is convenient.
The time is {"hour": 7, "minute": 0, "second": 58}
